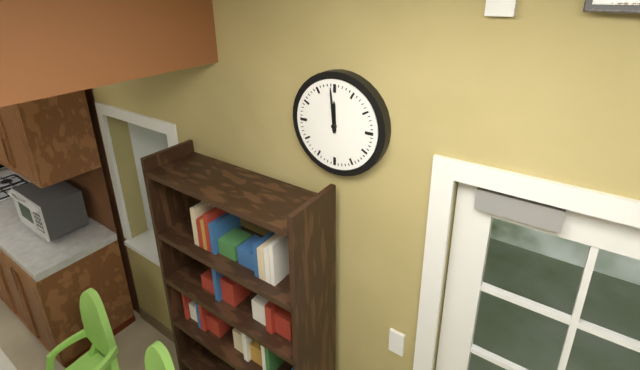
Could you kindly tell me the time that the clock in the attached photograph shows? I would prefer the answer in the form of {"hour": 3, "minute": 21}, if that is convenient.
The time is {"hour": 11, "minute": 59}
